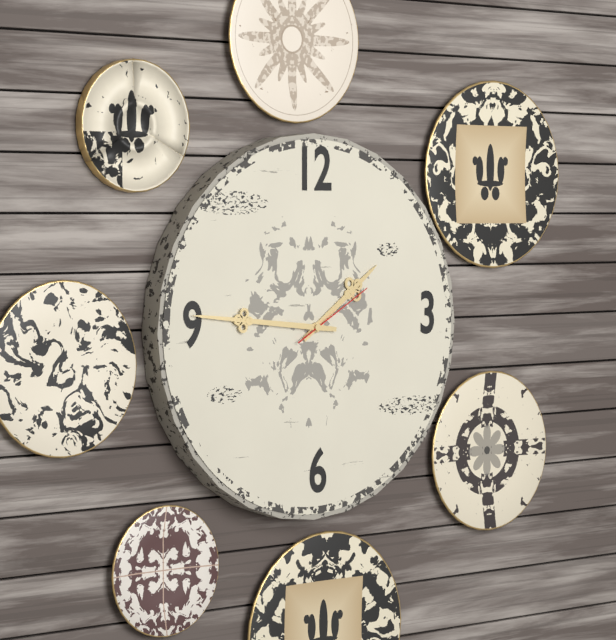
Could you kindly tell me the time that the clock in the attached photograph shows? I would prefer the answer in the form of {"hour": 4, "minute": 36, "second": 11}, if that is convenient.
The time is {"hour": 1, "minute": 46, "second": 10}
